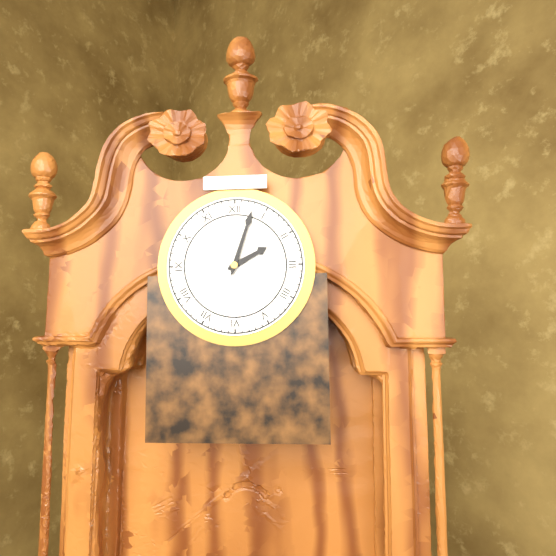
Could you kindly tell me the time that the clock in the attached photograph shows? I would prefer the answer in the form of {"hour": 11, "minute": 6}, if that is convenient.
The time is {"hour": 2, "minute": 3}
